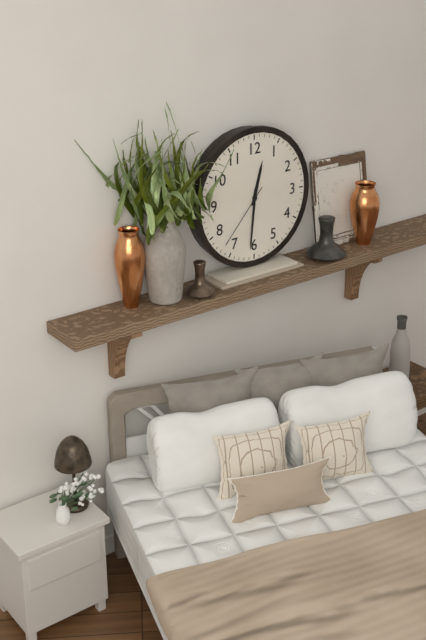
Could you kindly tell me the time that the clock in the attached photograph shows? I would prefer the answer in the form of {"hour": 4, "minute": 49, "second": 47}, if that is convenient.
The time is {"hour": 12, "minute": 31, "second": 37}
